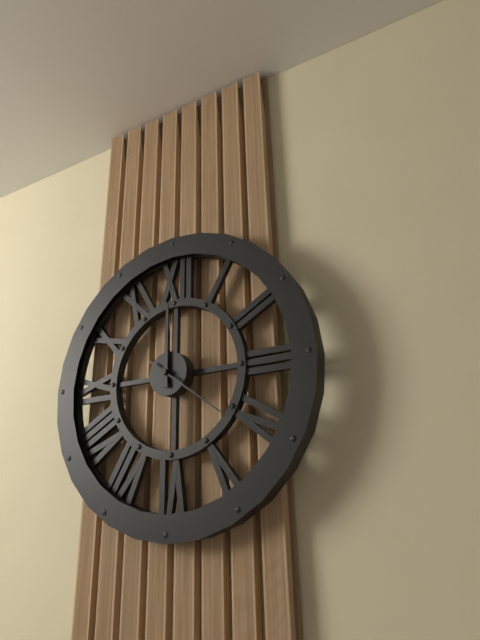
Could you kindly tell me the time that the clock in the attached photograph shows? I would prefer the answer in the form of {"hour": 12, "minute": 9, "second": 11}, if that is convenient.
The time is {"hour": 12, "minute": 0, "second": 21}
